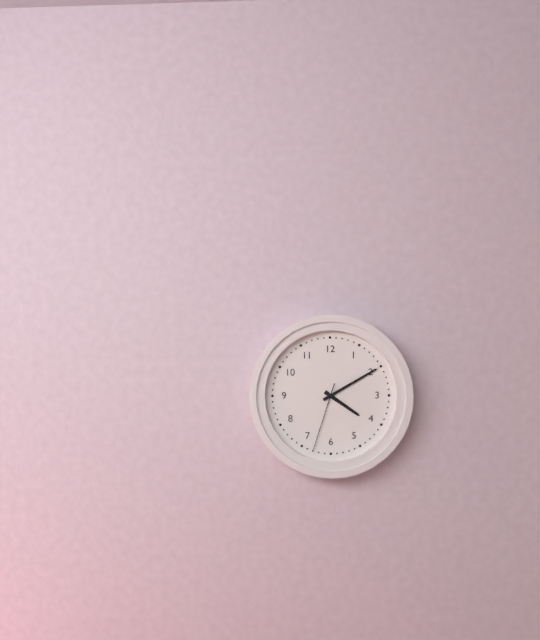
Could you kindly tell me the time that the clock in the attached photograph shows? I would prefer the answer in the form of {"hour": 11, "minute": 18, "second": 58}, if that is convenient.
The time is {"hour": 4, "minute": 10, "second": 33}
